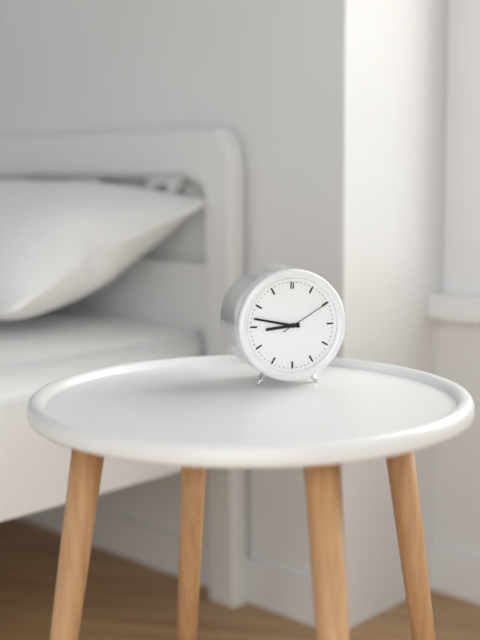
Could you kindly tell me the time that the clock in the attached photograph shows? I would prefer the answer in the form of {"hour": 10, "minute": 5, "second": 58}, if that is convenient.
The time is {"hour": 8, "minute": 47, "second": 10}
